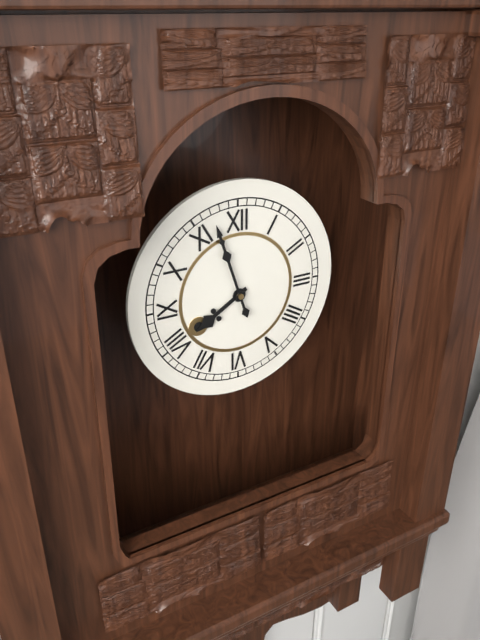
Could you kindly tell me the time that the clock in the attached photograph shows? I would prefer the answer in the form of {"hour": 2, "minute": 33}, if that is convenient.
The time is {"hour": 7, "minute": 57}
